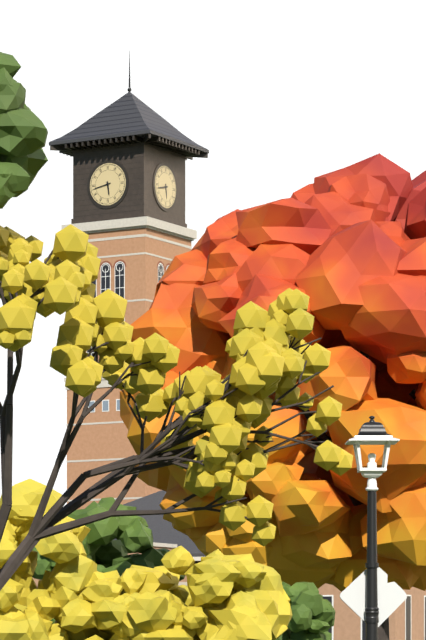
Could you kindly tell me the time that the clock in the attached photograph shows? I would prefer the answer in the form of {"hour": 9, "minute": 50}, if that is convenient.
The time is {"hour": 5, "minute": 43}
